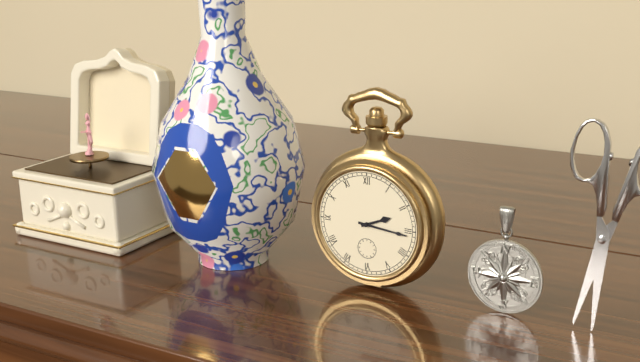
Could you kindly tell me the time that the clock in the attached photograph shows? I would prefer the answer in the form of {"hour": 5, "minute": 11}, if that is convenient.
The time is {"hour": 2, "minute": 16}
